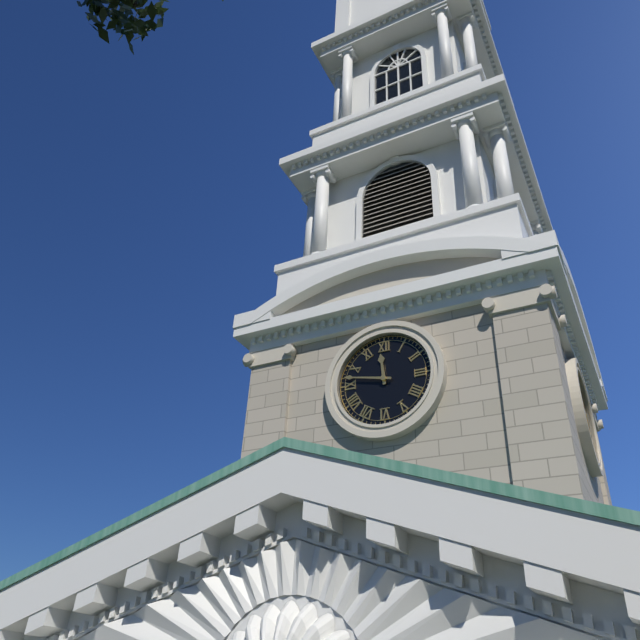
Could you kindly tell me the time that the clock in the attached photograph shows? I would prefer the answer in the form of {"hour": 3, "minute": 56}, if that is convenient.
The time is {"hour": 11, "minute": 47}
